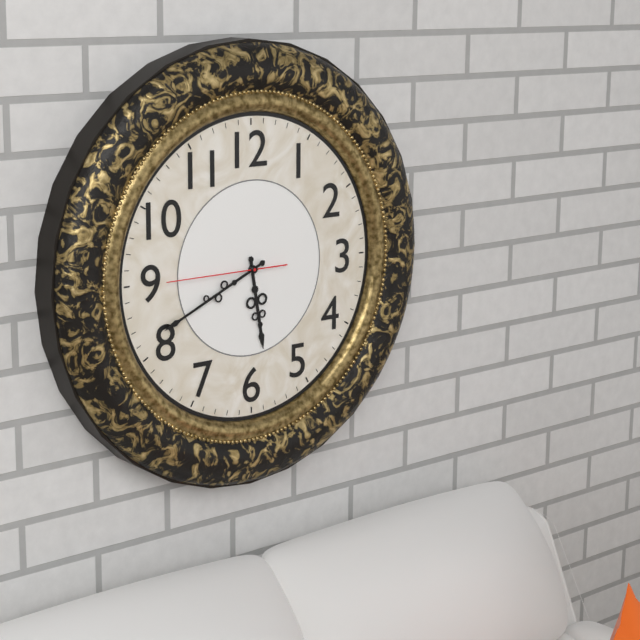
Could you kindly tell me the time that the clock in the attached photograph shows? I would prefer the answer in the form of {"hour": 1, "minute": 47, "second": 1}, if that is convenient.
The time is {"hour": 5, "minute": 41, "second": 45}
